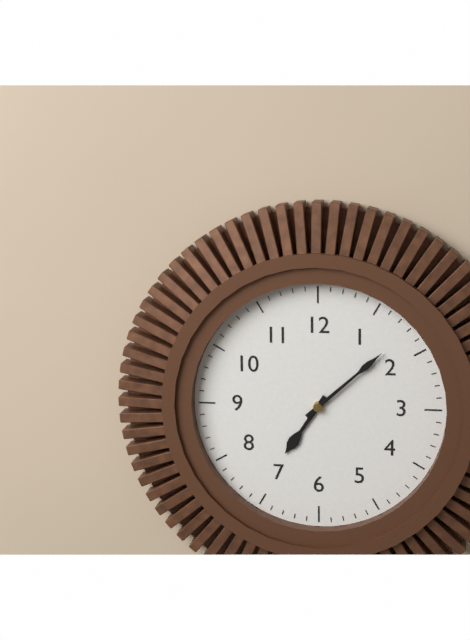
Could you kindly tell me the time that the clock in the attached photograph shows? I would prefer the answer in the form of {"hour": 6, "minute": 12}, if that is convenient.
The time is {"hour": 7, "minute": 8}
